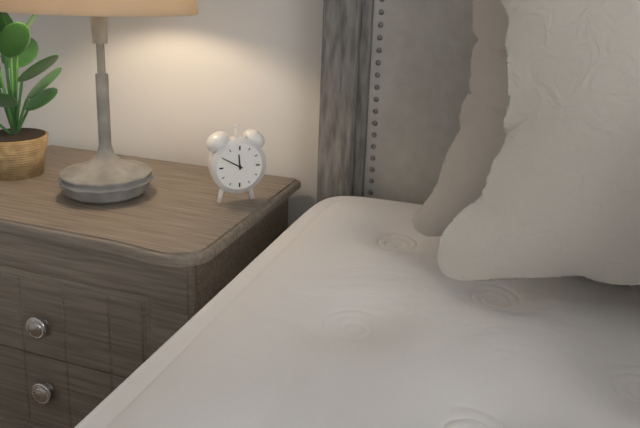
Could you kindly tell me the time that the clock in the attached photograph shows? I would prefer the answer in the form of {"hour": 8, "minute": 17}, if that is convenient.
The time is {"hour": 11, "minute": 50}
